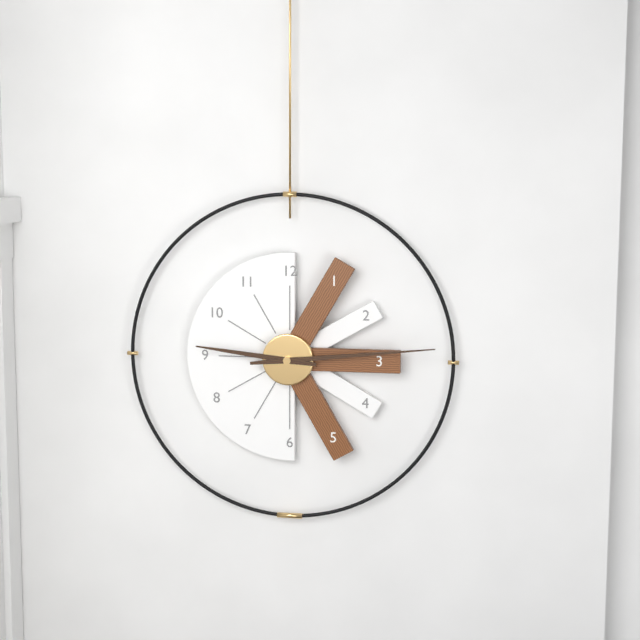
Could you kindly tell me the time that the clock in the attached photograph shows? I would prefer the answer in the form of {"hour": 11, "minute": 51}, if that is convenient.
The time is {"hour": 9, "minute": 14}
